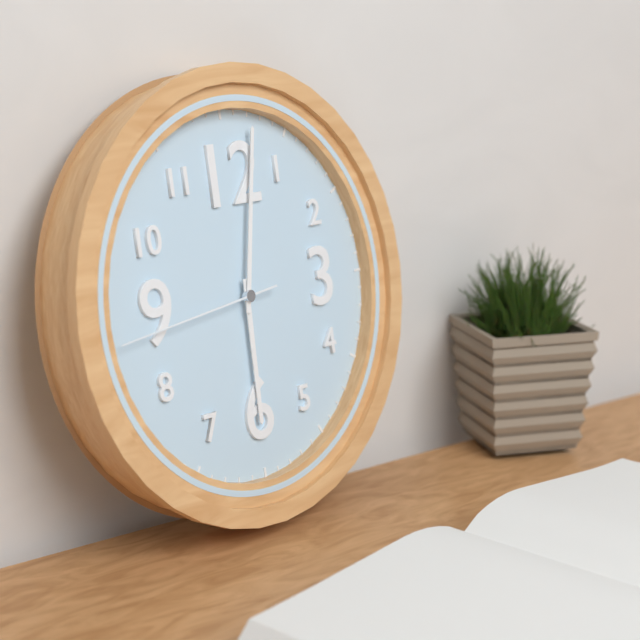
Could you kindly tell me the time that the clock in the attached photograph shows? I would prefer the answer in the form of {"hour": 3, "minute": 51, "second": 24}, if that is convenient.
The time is {"hour": 6, "minute": 2, "second": 44}
